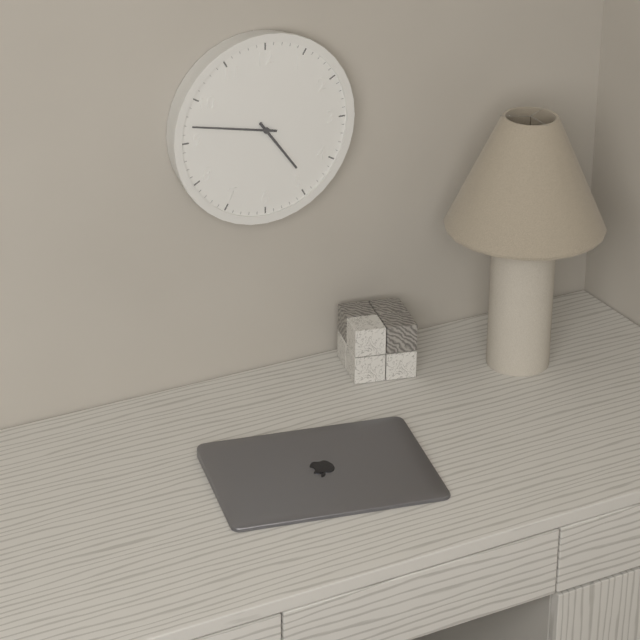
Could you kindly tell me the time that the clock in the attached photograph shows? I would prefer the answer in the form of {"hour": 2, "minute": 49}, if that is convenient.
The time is {"hour": 4, "minute": 47}
